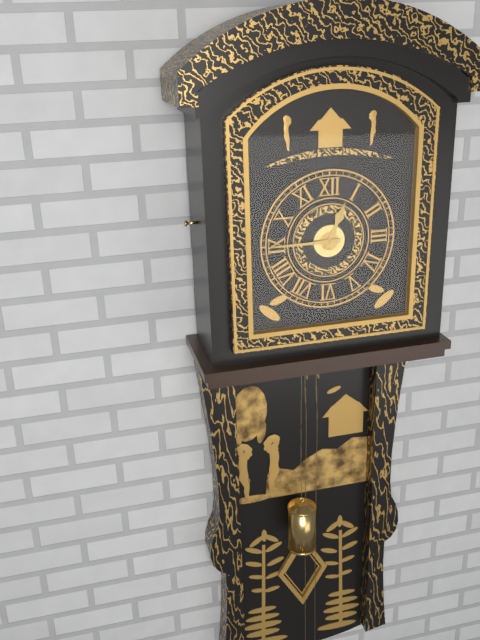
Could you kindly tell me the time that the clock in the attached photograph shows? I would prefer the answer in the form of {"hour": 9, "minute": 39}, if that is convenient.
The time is {"hour": 12, "minute": 45}
